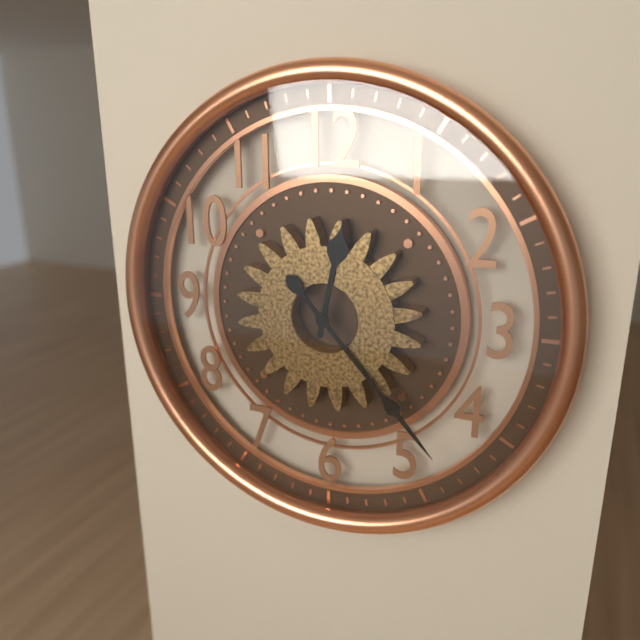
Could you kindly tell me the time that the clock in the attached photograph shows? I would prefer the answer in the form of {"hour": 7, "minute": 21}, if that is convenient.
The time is {"hour": 12, "minute": 23}
